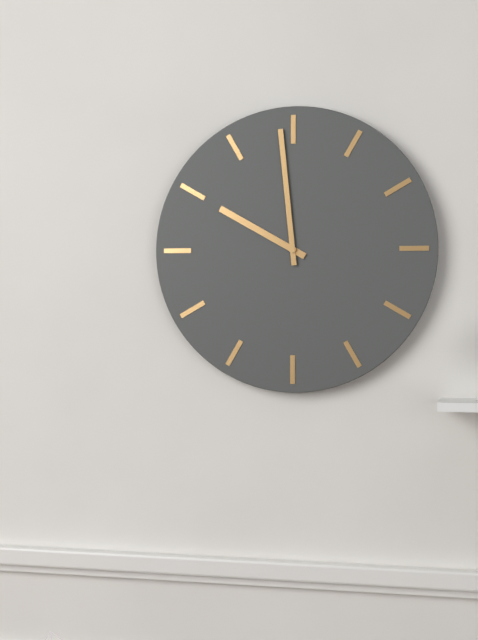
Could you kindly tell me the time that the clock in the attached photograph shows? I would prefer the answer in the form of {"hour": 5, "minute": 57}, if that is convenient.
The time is {"hour": 9, "minute": 59}
